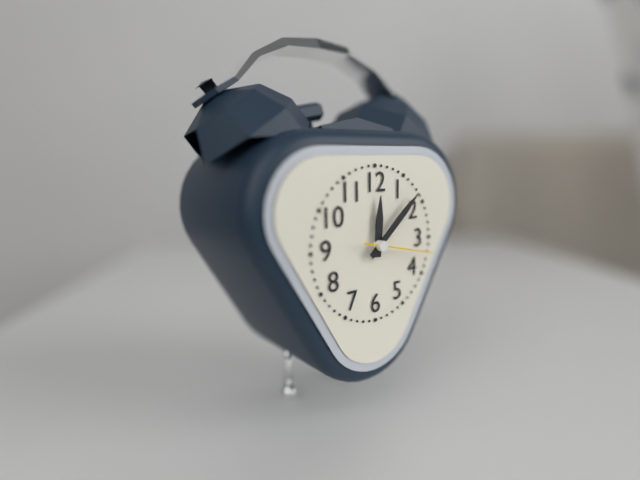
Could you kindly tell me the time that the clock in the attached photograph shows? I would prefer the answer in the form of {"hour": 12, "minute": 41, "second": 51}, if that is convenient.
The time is {"hour": 12, "minute": 8, "second": 17}
